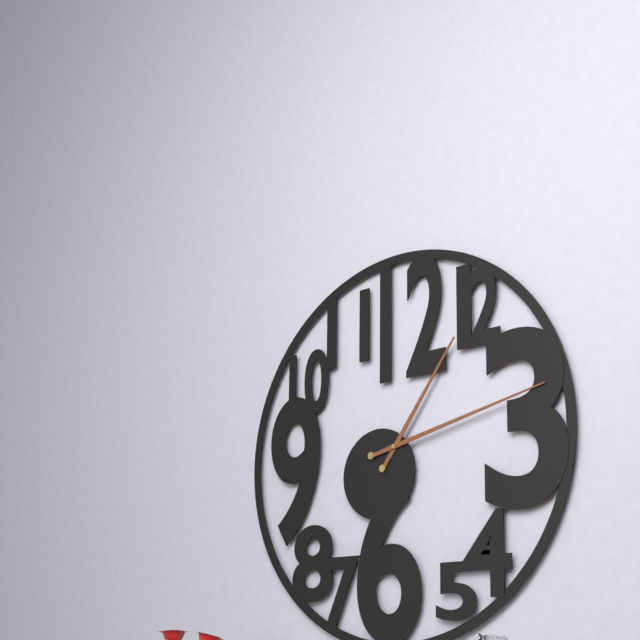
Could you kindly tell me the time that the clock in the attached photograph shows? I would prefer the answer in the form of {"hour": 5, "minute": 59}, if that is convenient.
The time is {"hour": 1, "minute": 13}
